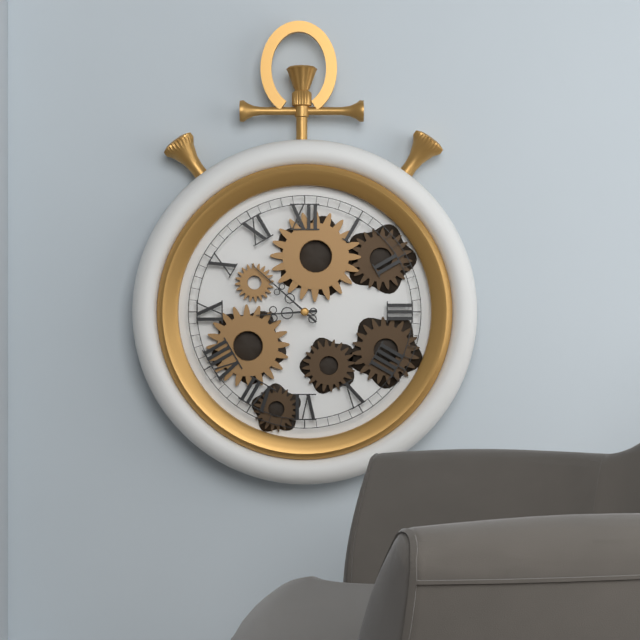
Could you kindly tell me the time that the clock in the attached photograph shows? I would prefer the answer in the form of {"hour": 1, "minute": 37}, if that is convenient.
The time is {"hour": 8, "minute": 52}
